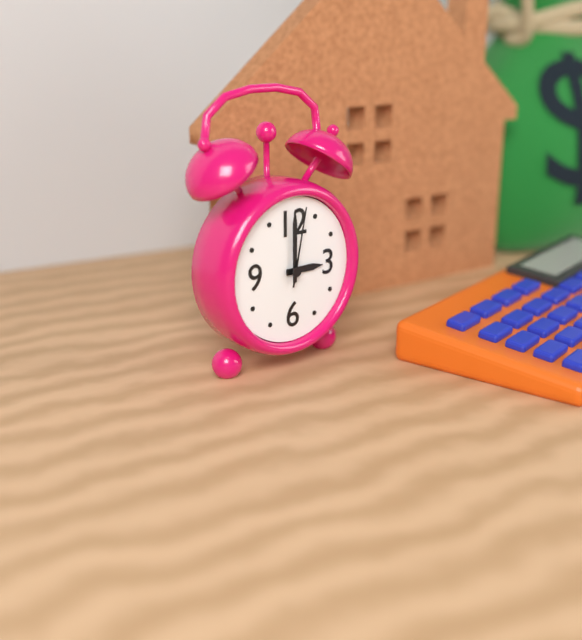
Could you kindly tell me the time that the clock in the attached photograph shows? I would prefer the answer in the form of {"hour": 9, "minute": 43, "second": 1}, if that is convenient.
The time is {"hour": 3, "minute": 0, "second": 2}
